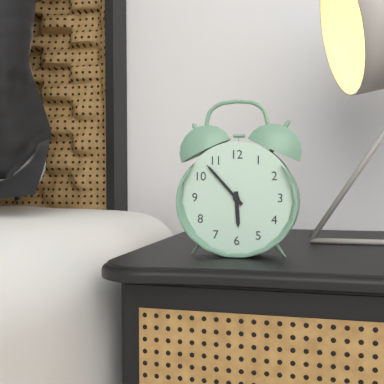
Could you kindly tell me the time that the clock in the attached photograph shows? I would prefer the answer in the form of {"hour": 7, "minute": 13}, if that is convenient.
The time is {"hour": 5, "minute": 53}
